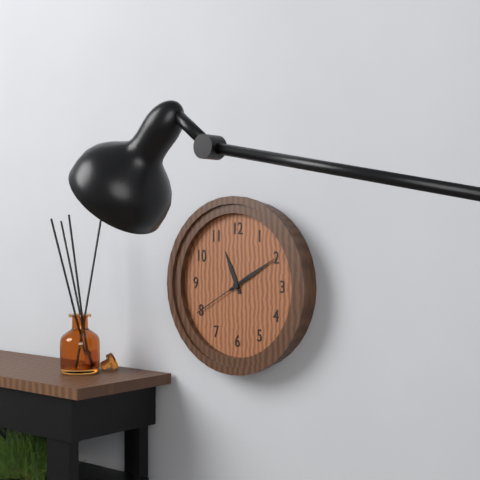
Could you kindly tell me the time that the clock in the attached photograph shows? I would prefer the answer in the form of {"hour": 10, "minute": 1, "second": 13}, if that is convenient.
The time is {"hour": 11, "minute": 10, "second": 40}
